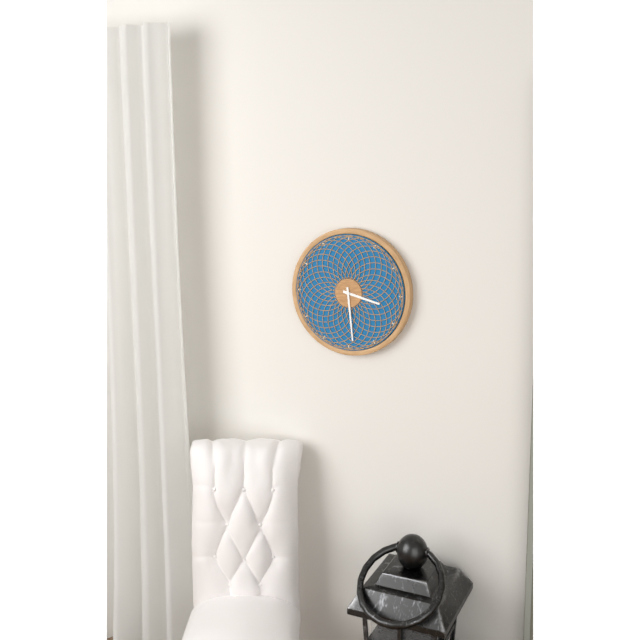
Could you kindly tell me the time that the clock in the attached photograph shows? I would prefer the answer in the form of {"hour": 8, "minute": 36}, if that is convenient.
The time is {"hour": 3, "minute": 29}
